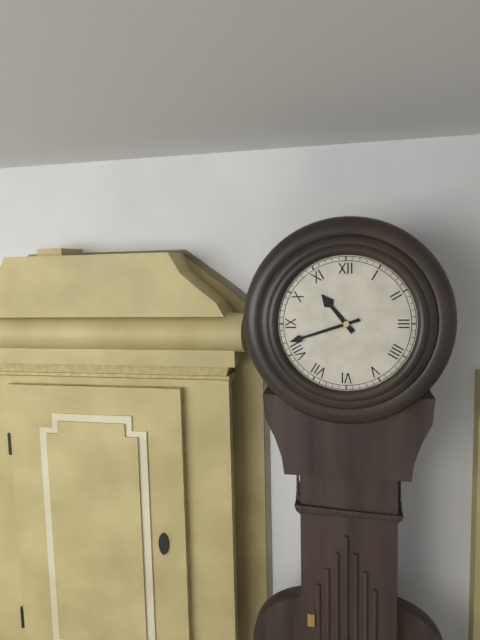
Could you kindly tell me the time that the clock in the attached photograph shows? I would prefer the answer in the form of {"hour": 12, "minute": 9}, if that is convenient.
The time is {"hour": 10, "minute": 42}
